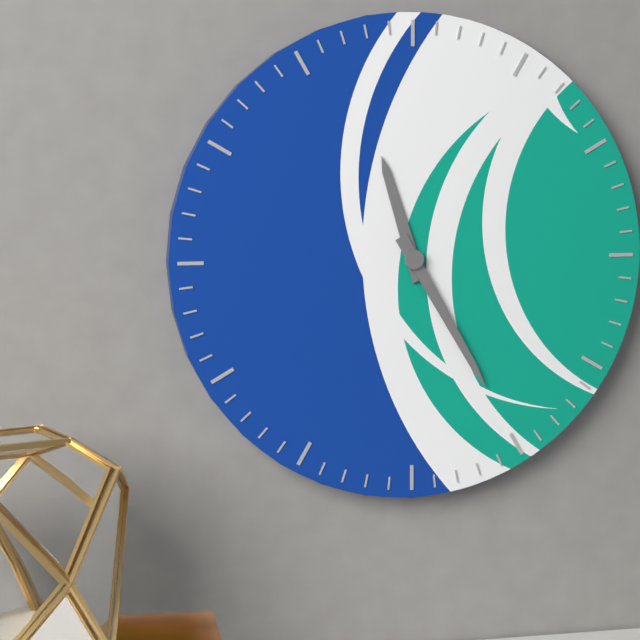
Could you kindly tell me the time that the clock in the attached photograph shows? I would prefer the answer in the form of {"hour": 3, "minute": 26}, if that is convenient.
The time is {"hour": 11, "minute": 25}
